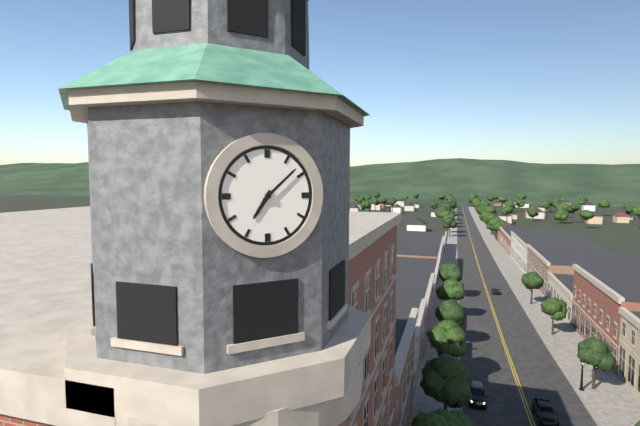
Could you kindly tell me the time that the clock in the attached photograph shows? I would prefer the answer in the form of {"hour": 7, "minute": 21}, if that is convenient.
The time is {"hour": 7, "minute": 8}
